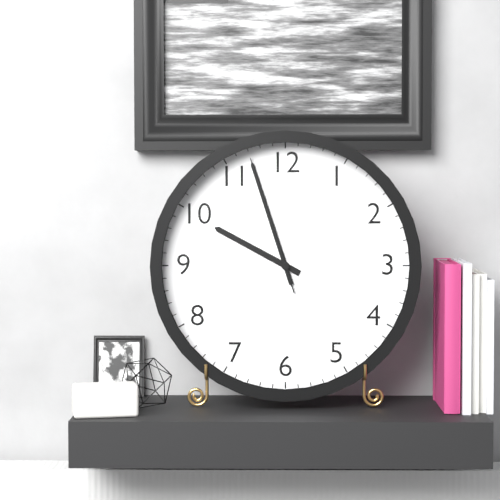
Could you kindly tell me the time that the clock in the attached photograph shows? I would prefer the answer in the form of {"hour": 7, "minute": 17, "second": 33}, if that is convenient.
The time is {"hour": 9, "minute": 57, "second": 57}
